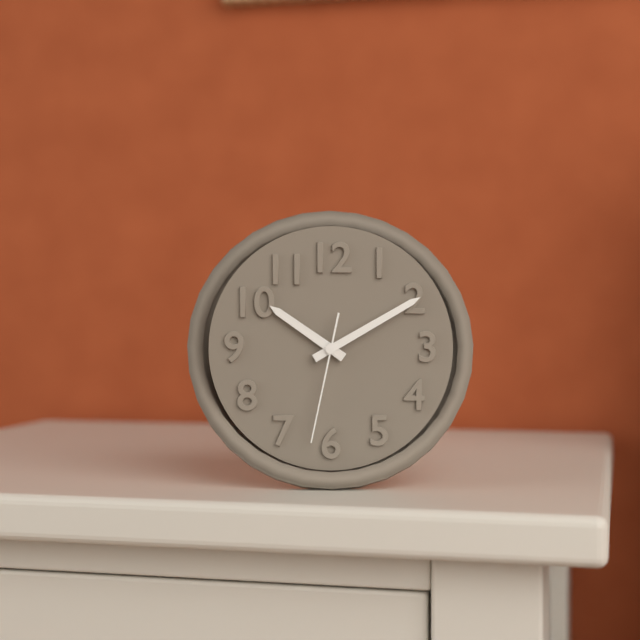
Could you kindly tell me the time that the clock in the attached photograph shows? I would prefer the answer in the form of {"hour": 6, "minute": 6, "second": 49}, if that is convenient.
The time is {"hour": 10, "minute": 10, "second": 32}
